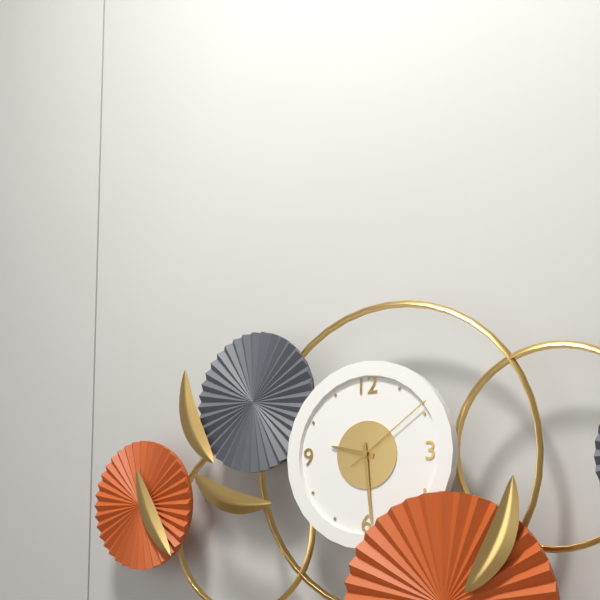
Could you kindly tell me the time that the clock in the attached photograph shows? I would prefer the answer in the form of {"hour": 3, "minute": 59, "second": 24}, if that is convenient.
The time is {"hour": 9, "minute": 29, "second": 9}
